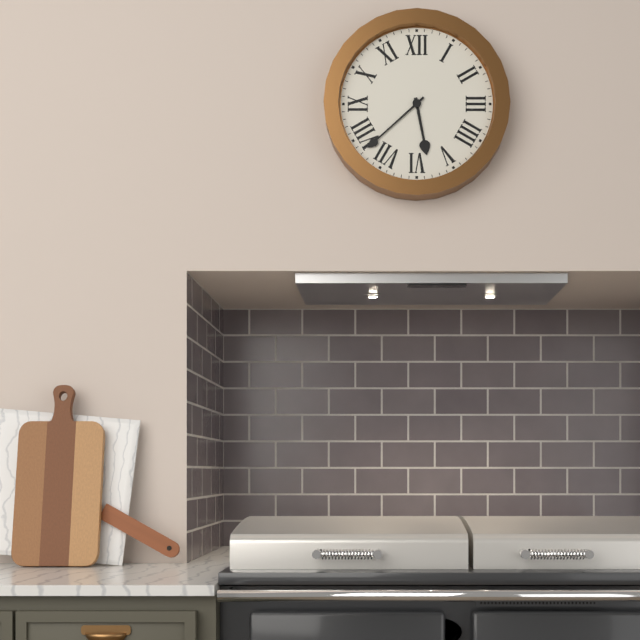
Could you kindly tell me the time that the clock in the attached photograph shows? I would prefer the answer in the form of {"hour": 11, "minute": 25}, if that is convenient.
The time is {"hour": 5, "minute": 38}
